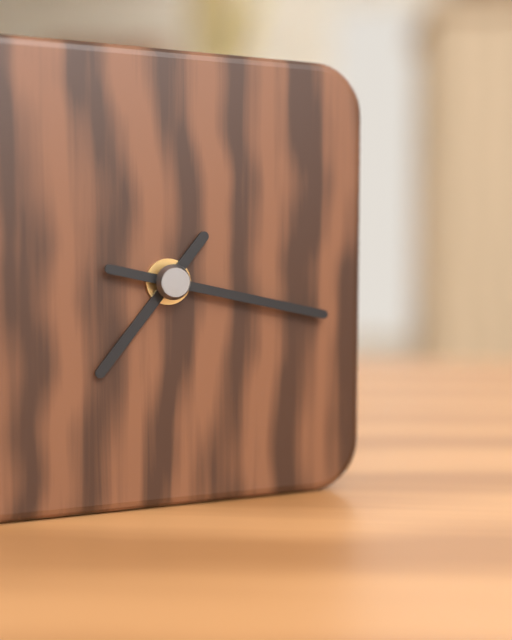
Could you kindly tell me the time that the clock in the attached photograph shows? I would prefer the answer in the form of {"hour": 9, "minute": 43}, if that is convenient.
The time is {"hour": 7, "minute": 17}
